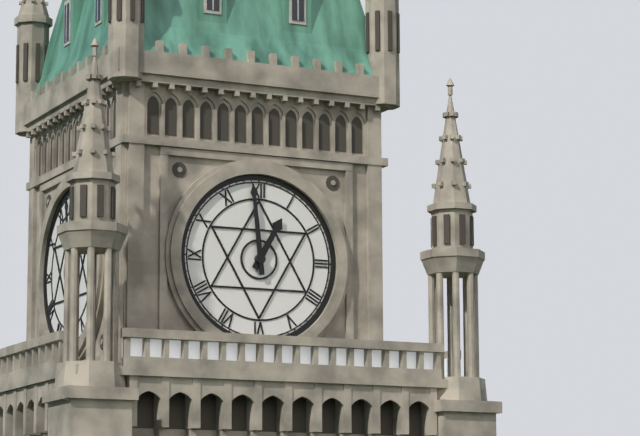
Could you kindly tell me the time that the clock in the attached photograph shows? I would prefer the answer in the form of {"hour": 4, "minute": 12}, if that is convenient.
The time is {"hour": 12, "minute": 59}
